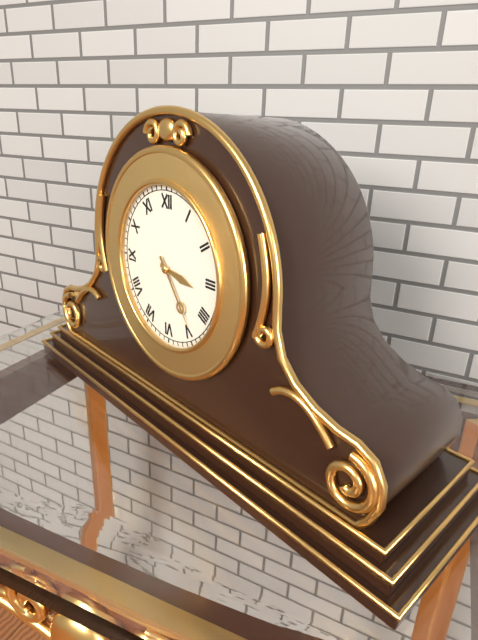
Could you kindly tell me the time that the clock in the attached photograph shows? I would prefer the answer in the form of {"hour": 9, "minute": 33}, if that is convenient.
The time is {"hour": 3, "minute": 24}
